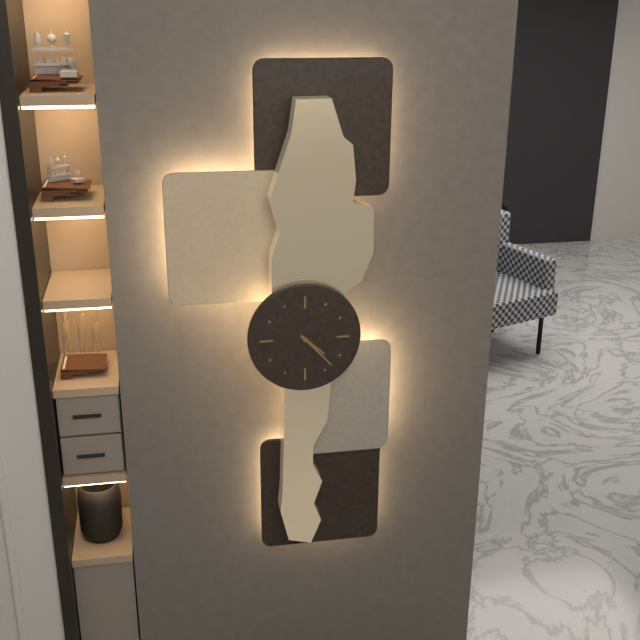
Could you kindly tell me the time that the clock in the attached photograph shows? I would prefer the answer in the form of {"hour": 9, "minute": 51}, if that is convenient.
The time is {"hour": 4, "minute": 23}
